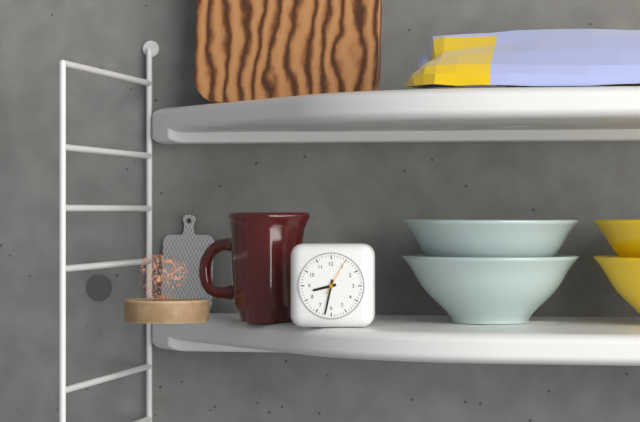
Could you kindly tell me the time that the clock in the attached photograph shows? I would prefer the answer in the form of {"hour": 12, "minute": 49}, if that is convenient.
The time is {"hour": 8, "minute": 32}
